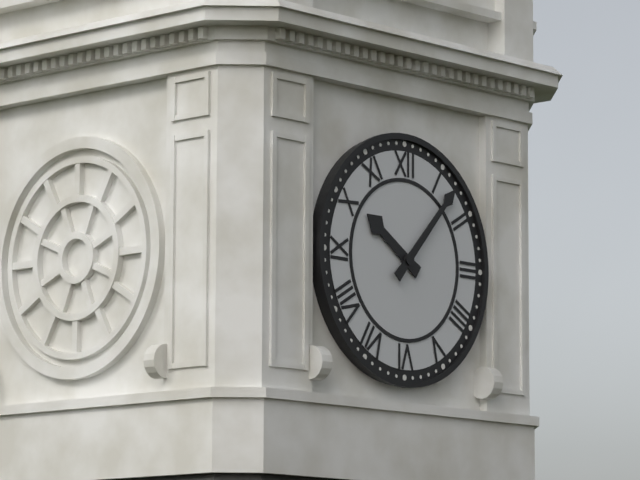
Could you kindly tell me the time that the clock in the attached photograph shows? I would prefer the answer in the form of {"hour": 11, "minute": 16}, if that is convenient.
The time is {"hour": 10, "minute": 7}
